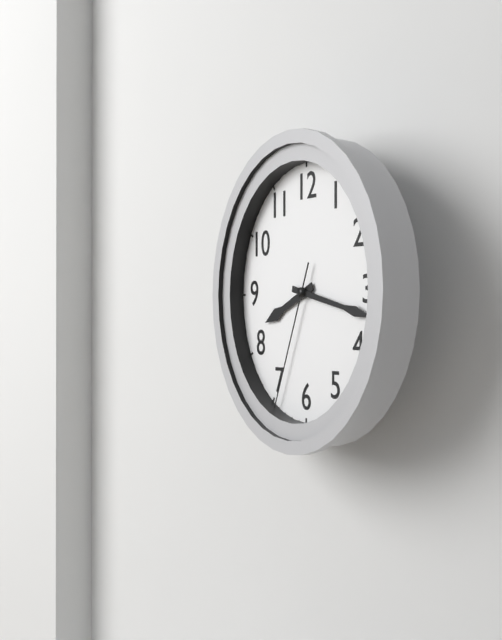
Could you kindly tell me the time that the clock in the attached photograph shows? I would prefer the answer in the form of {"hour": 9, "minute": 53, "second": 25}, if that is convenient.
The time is {"hour": 8, "minute": 17, "second": 34}
